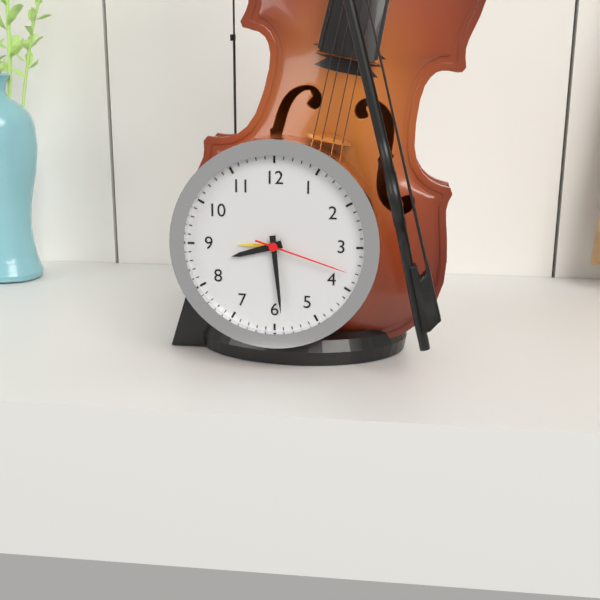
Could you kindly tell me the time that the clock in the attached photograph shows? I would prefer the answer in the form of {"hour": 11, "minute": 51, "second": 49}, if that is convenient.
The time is {"hour": 8, "minute": 29, "second": 18}
